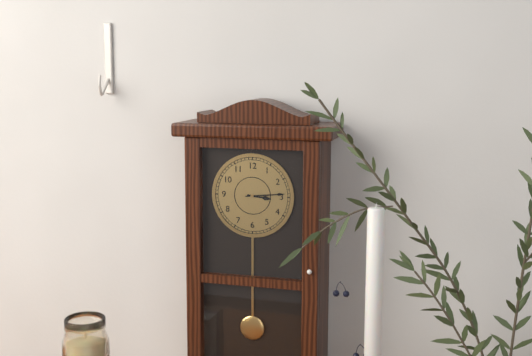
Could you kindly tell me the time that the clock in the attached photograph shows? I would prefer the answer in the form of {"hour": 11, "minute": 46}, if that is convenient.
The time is {"hour": 3, "minute": 14}
